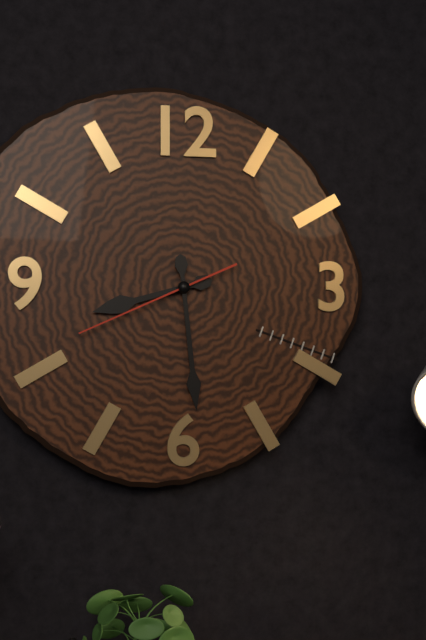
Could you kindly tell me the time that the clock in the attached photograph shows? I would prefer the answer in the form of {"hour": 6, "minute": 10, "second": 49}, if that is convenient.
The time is {"hour": 8, "minute": 29, "second": 41}
